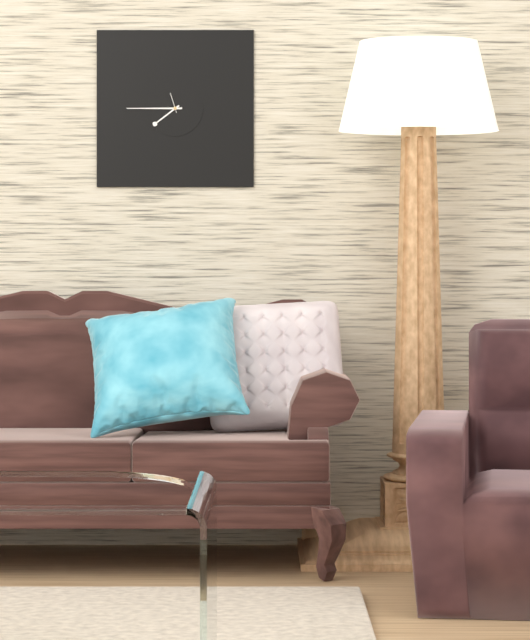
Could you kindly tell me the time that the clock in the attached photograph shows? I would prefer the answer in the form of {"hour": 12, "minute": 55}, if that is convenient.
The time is {"hour": 7, "minute": 45}
